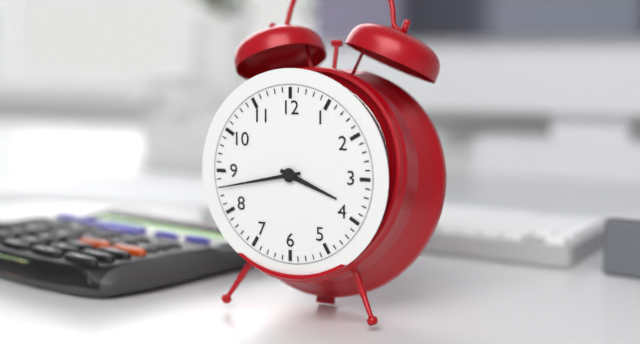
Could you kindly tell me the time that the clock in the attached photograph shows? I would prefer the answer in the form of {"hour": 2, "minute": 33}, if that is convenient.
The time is {"hour": 3, "minute": 43}
